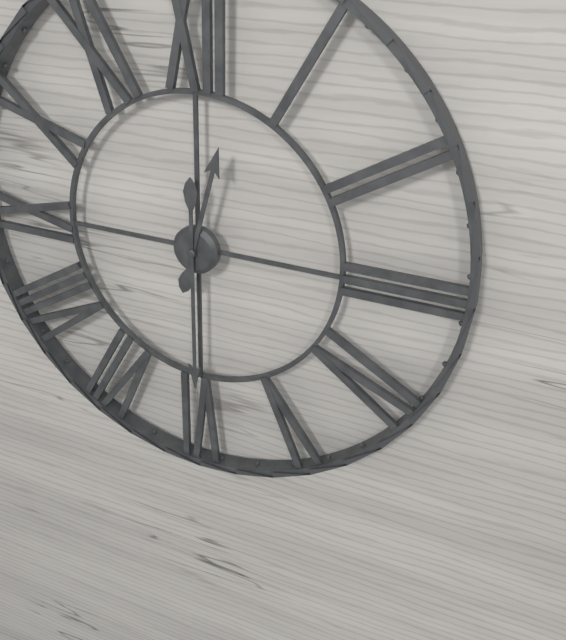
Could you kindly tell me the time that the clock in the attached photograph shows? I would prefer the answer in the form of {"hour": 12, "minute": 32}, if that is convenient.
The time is {"hour": 12, "minute": 30}
